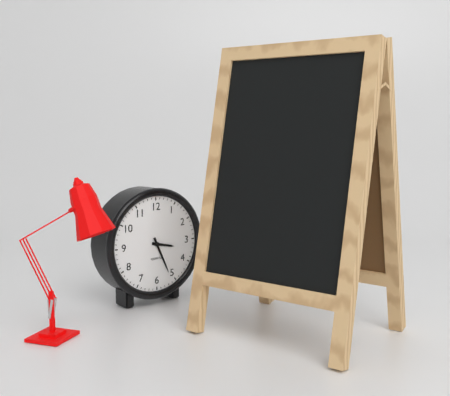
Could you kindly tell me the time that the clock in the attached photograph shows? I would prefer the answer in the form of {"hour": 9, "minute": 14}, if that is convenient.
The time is {"hour": 3, "minute": 26}
